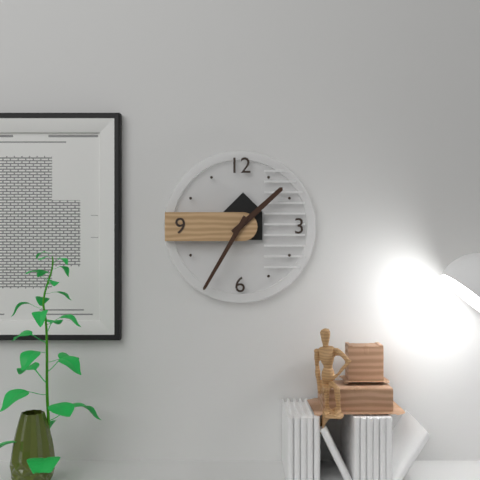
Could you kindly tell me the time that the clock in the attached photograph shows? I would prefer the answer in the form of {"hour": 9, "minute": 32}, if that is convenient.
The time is {"hour": 1, "minute": 35}
